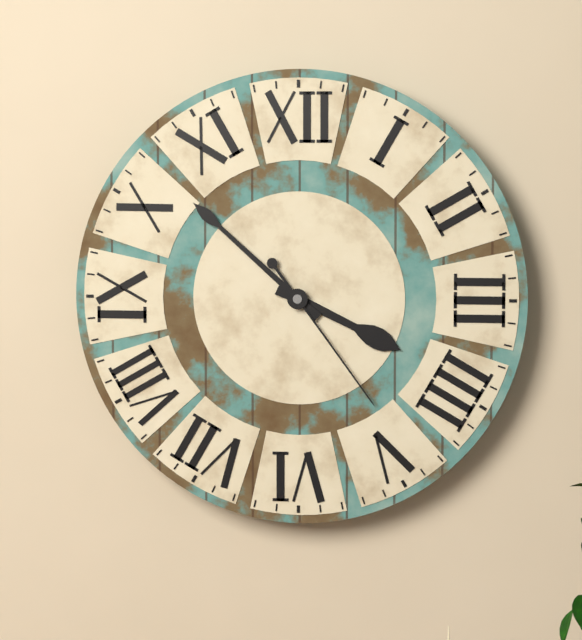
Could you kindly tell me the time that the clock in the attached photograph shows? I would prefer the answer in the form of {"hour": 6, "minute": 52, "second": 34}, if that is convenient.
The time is {"hour": 3, "minute": 52, "second": 24}
